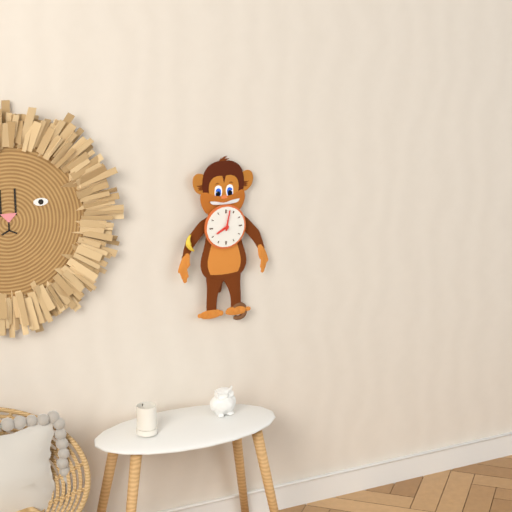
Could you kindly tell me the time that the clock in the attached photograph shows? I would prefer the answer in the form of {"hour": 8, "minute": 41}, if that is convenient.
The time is {"hour": 8, "minute": 2}
